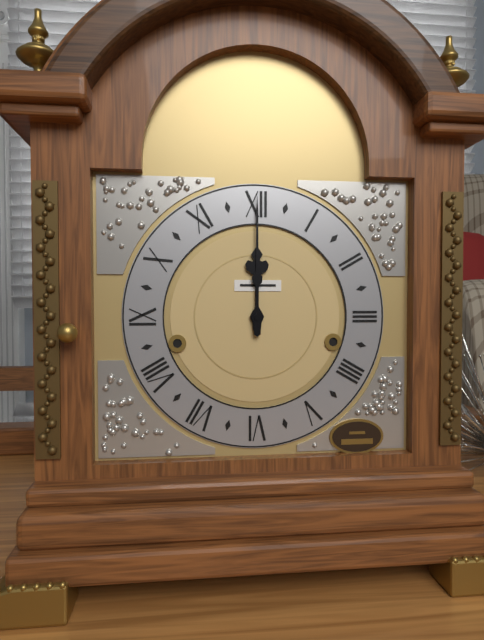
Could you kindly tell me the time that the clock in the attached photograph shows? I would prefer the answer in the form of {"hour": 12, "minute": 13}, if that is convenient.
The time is {"hour": 12, "minute": 0}
